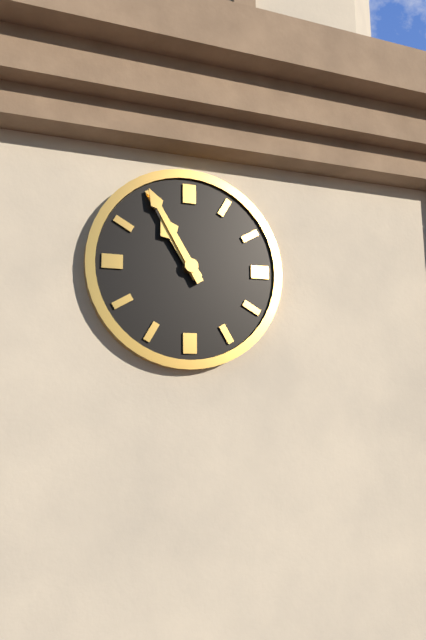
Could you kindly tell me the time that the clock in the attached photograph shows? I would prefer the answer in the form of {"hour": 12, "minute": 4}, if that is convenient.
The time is {"hour": 10, "minute": 55}
